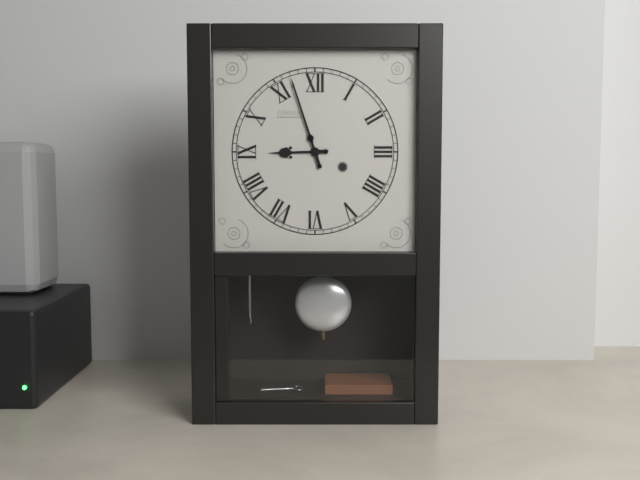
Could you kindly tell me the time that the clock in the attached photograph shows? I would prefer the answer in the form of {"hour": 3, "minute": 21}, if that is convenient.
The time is {"hour": 8, "minute": 57}
